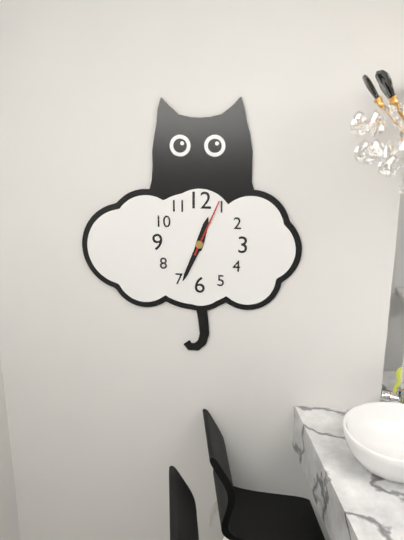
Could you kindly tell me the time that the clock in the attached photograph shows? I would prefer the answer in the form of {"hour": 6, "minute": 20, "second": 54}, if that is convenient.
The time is {"hour": 12, "minute": 34, "second": 4}
